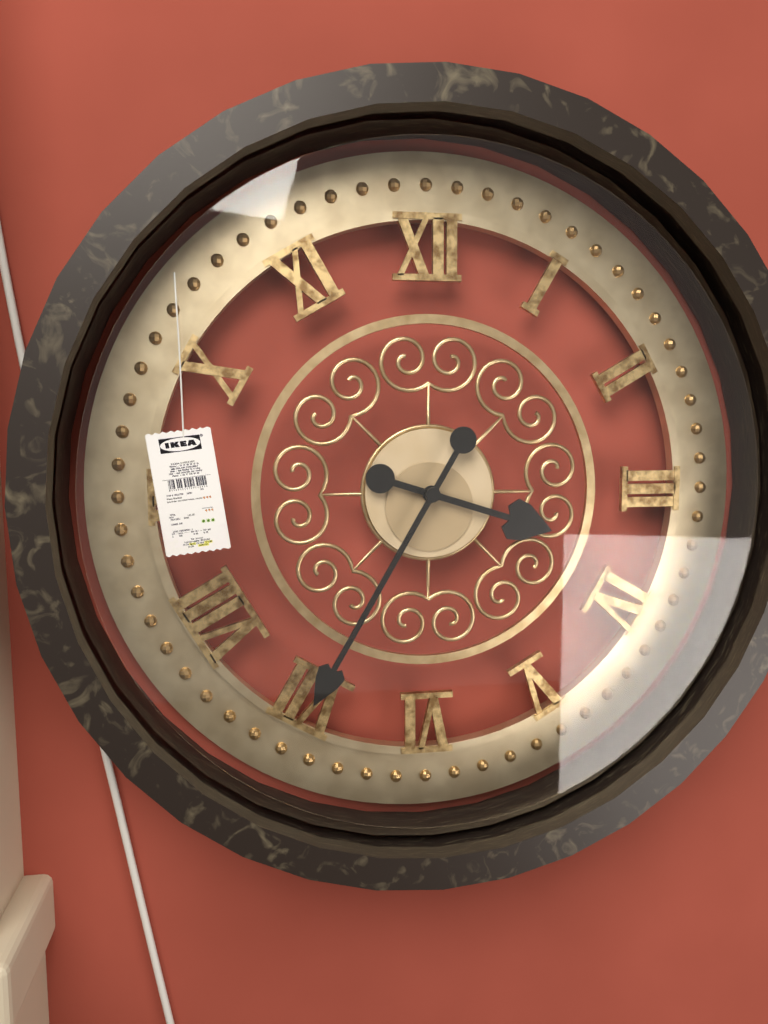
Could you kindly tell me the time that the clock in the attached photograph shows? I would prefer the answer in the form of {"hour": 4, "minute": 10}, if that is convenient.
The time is {"hour": 3, "minute": 35}
